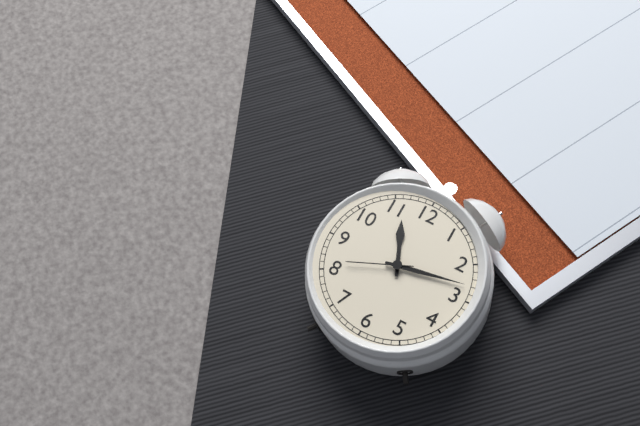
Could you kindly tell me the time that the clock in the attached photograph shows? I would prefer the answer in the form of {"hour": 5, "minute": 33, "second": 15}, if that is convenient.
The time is {"hour": 11, "minute": 13, "second": 41}
